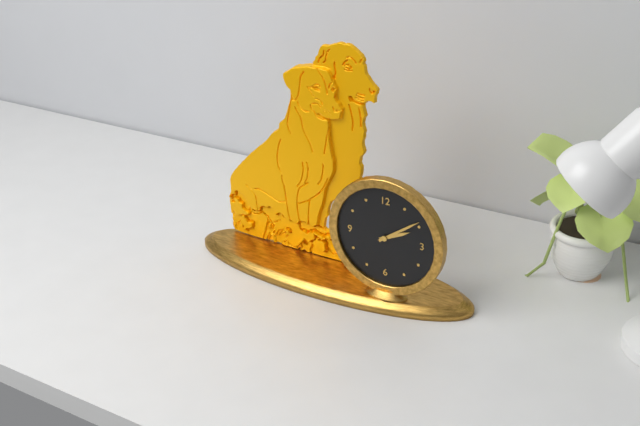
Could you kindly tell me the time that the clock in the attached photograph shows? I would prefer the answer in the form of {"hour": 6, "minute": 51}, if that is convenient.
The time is {"hour": 2, "minute": 9}
